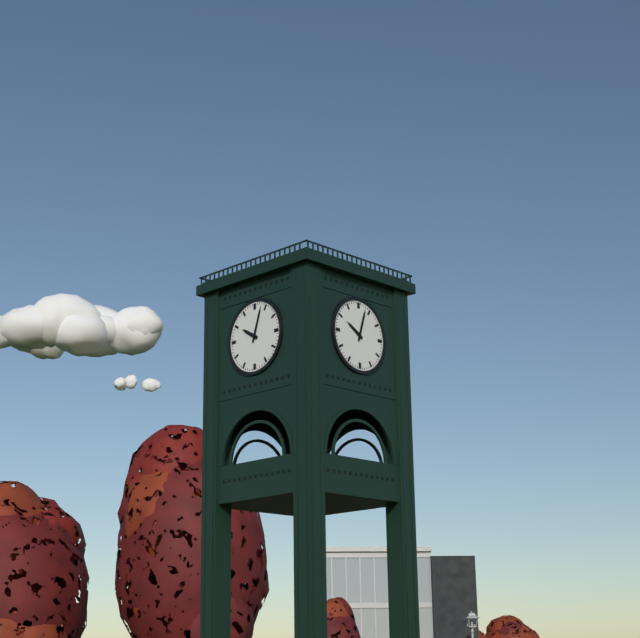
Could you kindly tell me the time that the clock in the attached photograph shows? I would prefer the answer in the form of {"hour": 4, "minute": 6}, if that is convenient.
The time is {"hour": 10, "minute": 3}
